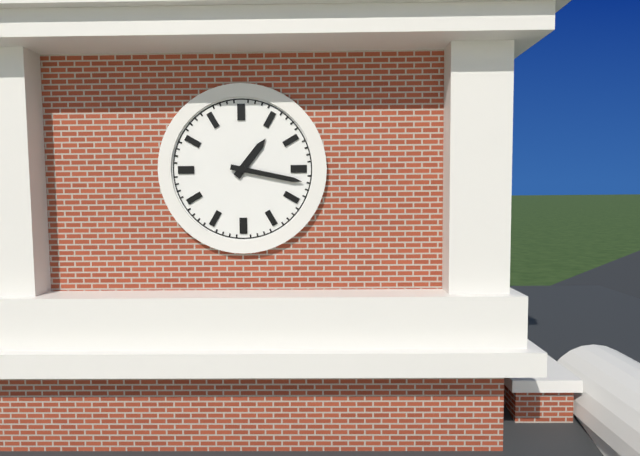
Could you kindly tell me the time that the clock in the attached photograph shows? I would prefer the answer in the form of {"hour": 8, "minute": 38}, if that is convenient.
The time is {"hour": 1, "minute": 17}
